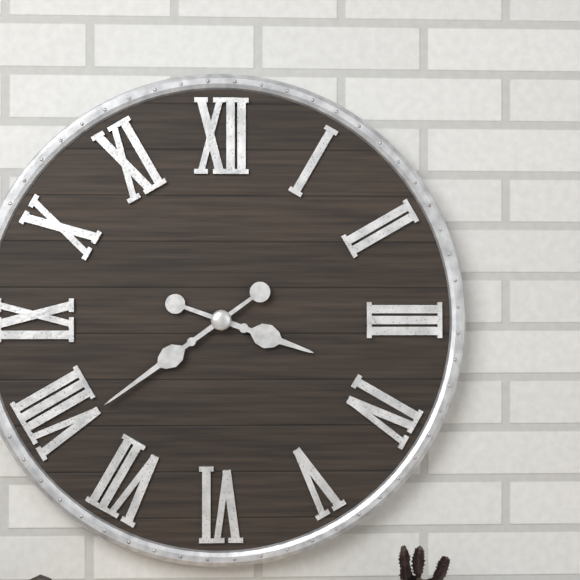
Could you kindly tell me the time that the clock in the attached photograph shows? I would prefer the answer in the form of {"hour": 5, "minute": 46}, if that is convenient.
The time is {"hour": 3, "minute": 39}
